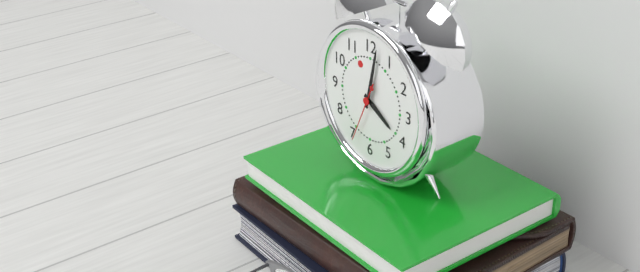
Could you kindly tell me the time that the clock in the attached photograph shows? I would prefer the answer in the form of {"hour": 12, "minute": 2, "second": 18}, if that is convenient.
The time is {"hour": 4, "minute": 2, "second": 34}
